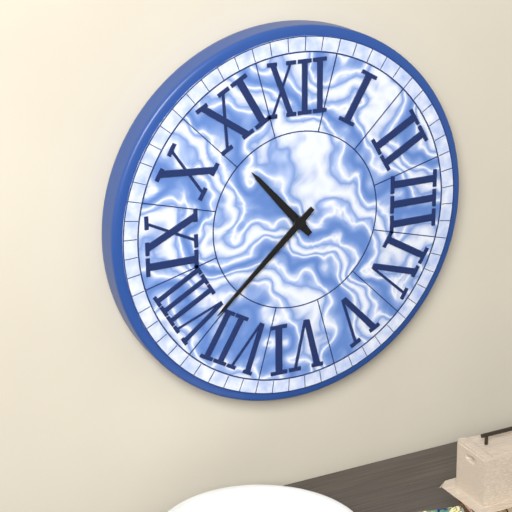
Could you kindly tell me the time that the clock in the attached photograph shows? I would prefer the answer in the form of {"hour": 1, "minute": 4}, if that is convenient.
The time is {"hour": 10, "minute": 38}
